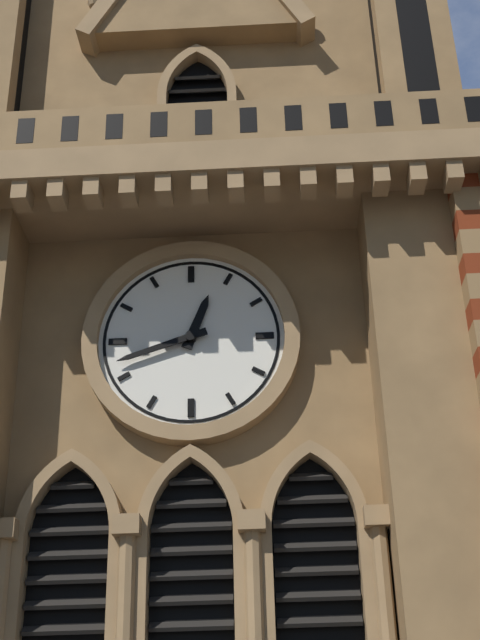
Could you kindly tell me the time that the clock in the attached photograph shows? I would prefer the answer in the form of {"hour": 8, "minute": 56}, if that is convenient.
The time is {"hour": 12, "minute": 42}
